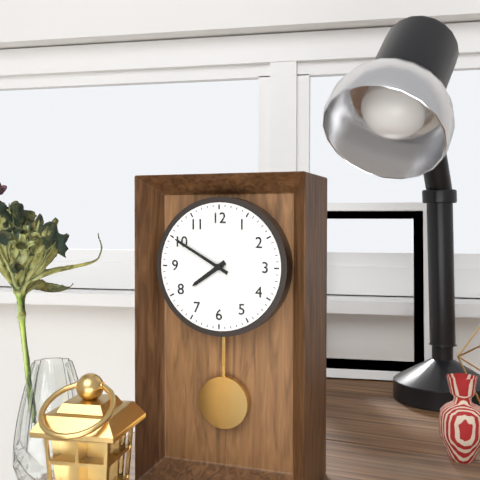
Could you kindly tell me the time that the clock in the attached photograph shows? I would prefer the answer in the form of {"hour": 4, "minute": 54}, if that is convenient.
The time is {"hour": 7, "minute": 50}
